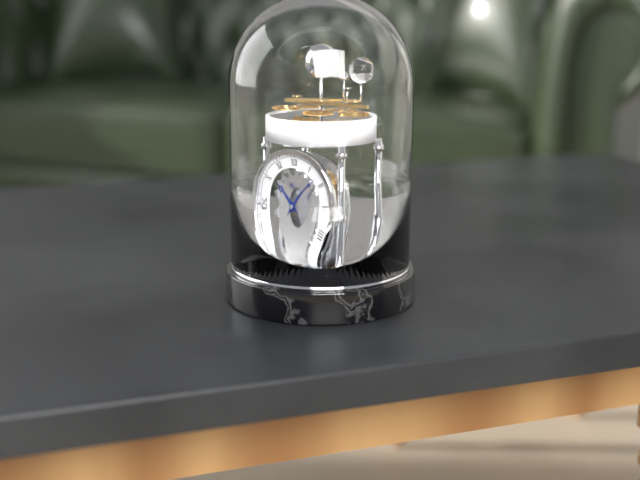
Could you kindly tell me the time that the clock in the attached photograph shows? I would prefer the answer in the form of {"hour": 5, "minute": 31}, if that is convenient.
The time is {"hour": 10, "minute": 8}
